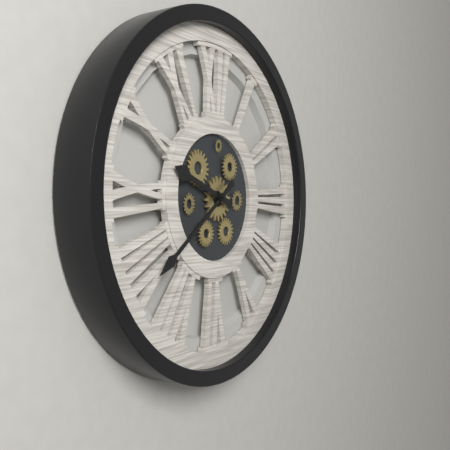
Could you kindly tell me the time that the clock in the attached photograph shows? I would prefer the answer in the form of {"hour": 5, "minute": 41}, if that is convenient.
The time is {"hour": 9, "minute": 39}
